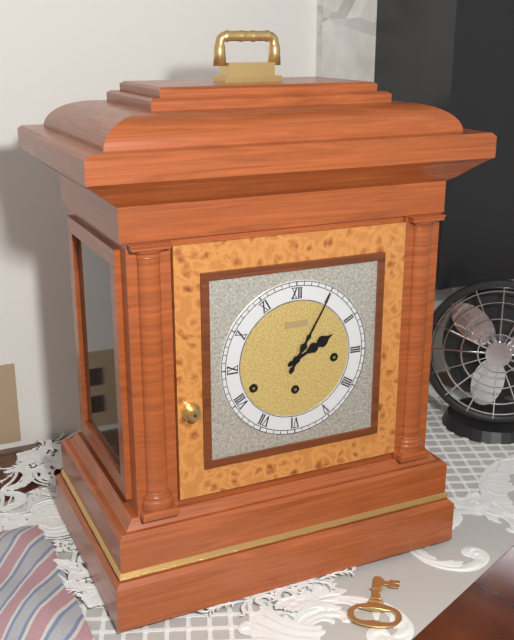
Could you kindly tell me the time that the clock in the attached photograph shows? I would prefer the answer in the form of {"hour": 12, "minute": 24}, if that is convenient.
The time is {"hour": 2, "minute": 5}
